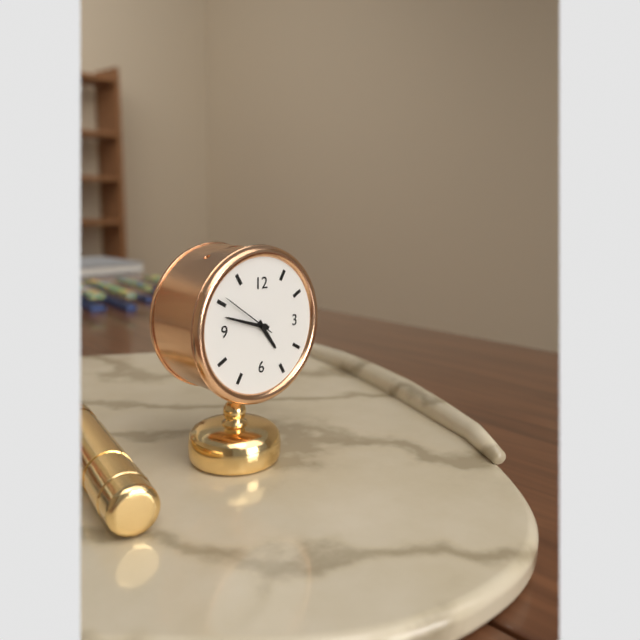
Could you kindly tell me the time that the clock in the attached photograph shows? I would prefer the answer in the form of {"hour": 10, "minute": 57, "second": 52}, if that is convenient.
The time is {"hour": 4, "minute": 48, "second": 51}
